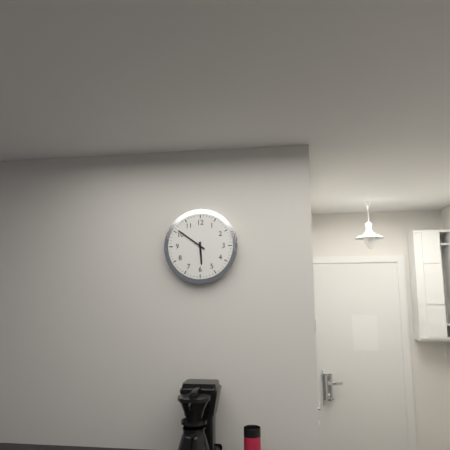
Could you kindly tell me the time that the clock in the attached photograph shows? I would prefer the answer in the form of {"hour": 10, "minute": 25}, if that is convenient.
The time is {"hour": 5, "minute": 51}
